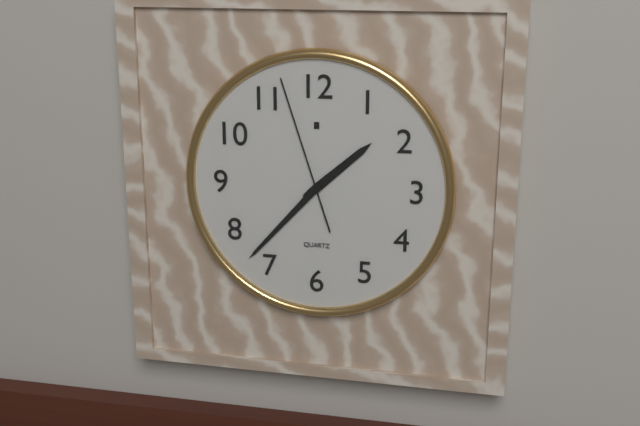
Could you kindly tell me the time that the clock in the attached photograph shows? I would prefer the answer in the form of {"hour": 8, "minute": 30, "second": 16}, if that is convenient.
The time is {"hour": 1, "minute": 37, "second": 57}
